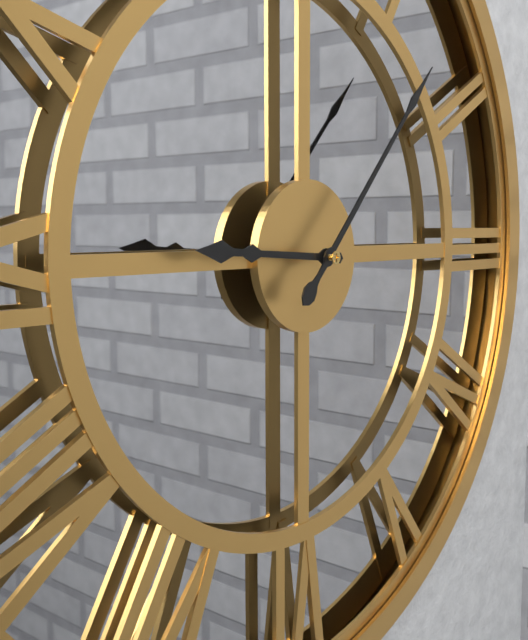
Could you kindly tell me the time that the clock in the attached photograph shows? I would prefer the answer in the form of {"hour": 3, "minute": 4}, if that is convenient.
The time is {"hour": 9, "minute": 7}
